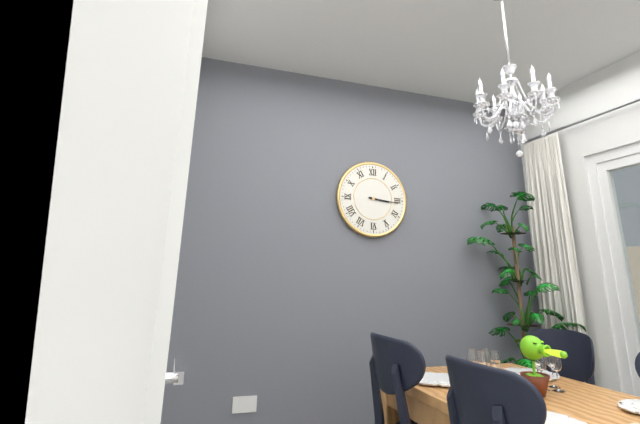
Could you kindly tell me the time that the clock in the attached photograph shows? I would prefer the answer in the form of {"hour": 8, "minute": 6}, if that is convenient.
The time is {"hour": 3, "minute": 16}
